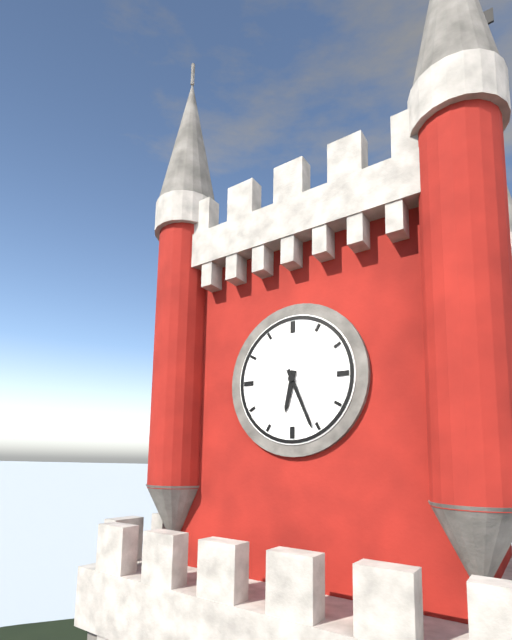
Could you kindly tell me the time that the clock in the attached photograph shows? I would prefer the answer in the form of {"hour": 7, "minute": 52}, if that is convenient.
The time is {"hour": 6, "minute": 26}
